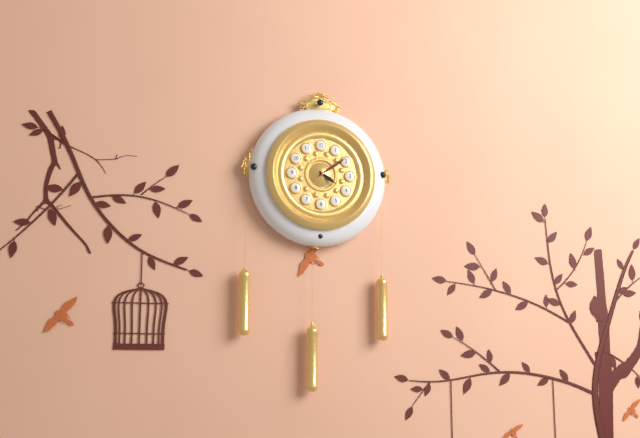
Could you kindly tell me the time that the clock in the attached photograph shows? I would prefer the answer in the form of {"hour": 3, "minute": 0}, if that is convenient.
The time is {"hour": 4, "minute": 9}
